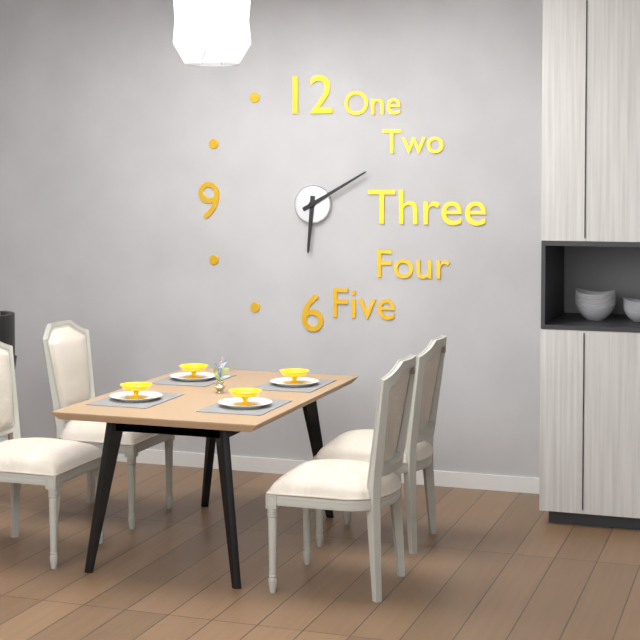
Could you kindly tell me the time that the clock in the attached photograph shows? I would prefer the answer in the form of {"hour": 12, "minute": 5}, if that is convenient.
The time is {"hour": 6, "minute": 10}
